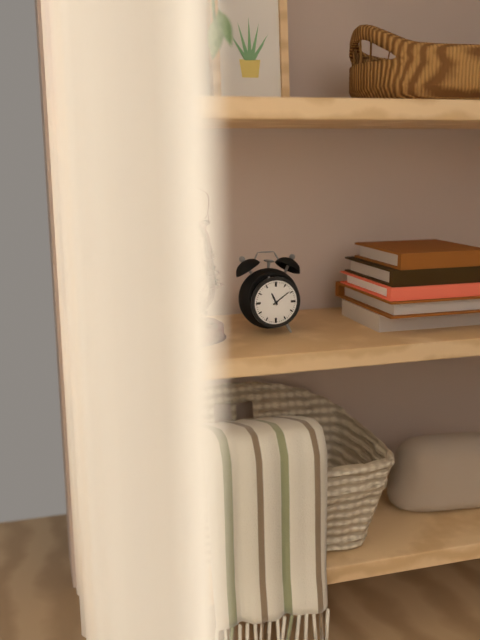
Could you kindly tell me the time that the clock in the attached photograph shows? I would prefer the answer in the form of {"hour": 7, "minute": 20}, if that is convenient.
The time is {"hour": 11, "minute": 9}
